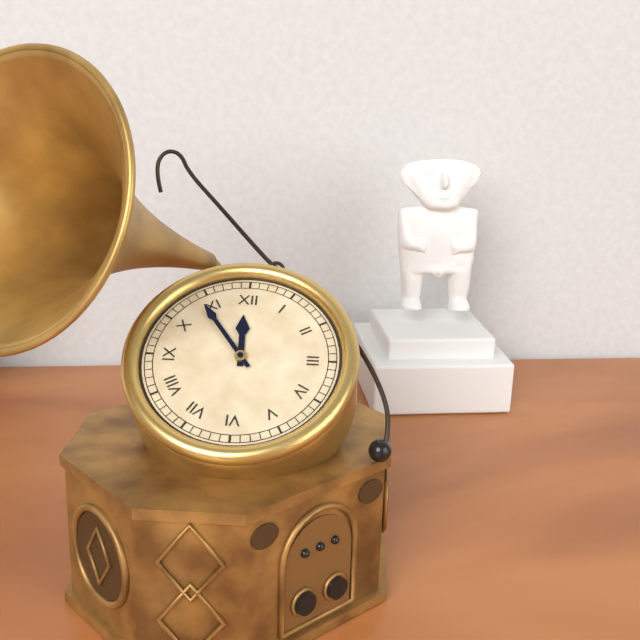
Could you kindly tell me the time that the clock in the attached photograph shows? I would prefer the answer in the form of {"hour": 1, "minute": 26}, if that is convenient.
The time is {"hour": 11, "minute": 54}
